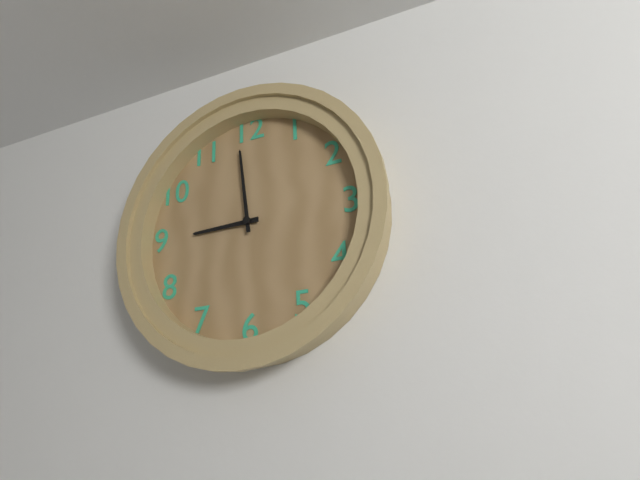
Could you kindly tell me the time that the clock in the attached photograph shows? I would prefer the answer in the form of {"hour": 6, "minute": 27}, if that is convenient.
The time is {"hour": 8, "minute": 59}
